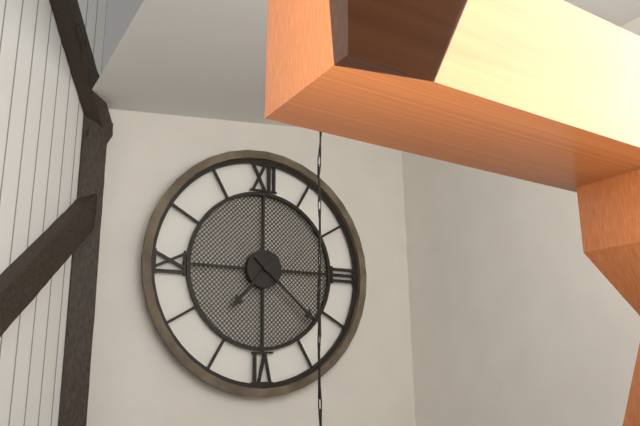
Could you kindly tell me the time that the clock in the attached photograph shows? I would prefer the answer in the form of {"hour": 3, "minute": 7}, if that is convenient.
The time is {"hour": 7, "minute": 22}
